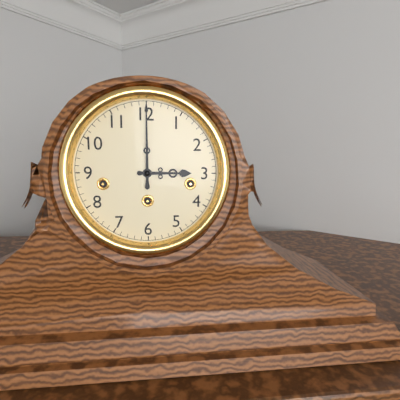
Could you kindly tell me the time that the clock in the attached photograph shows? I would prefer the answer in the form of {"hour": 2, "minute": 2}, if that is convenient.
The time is {"hour": 3, "minute": 0}
